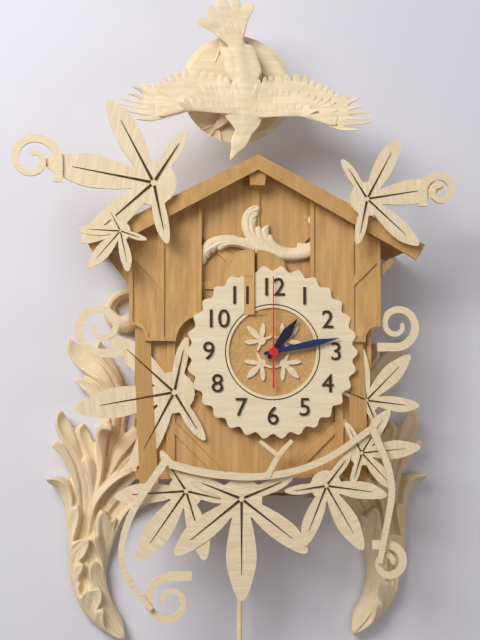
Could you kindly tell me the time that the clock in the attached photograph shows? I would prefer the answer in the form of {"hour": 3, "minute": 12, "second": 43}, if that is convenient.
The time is {"hour": 1, "minute": 13, "second": 0}
